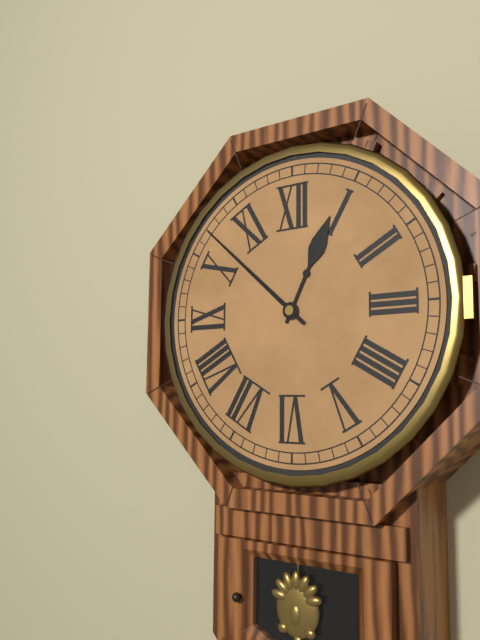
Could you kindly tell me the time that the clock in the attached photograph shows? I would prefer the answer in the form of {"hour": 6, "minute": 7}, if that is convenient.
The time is {"hour": 12, "minute": 52}
